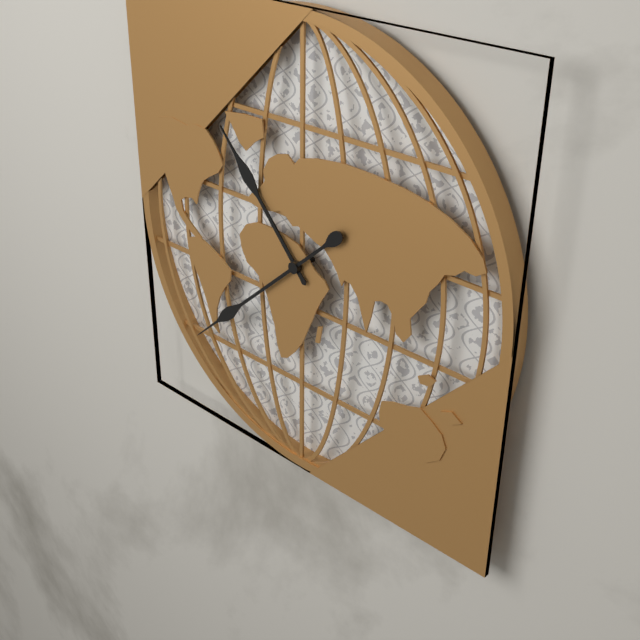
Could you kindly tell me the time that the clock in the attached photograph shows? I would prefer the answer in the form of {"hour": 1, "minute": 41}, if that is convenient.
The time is {"hour": 10, "minute": 38}
